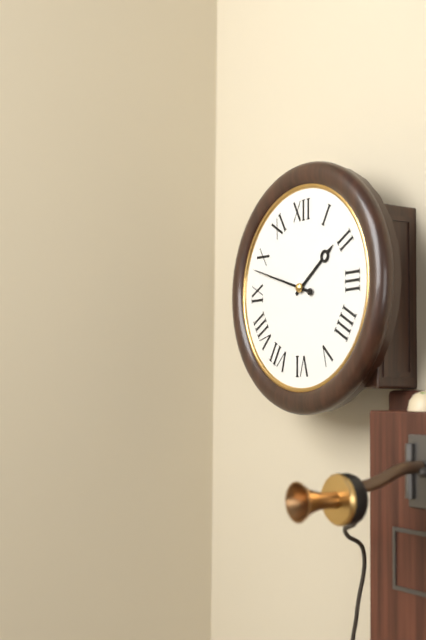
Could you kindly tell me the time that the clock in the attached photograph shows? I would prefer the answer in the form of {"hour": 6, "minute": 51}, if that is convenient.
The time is {"hour": 1, "minute": 48}
